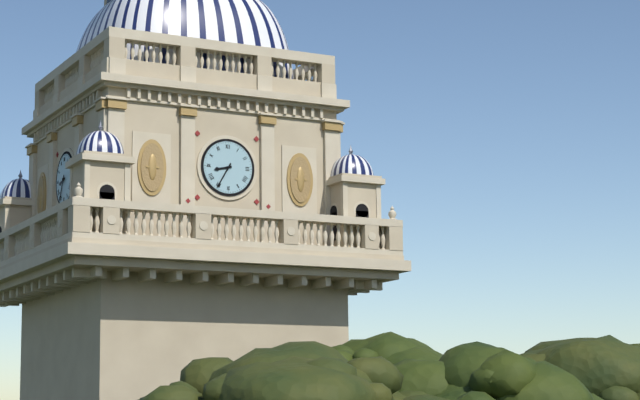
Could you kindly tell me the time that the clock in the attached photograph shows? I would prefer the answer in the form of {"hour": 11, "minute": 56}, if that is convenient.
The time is {"hour": 8, "minute": 35}
